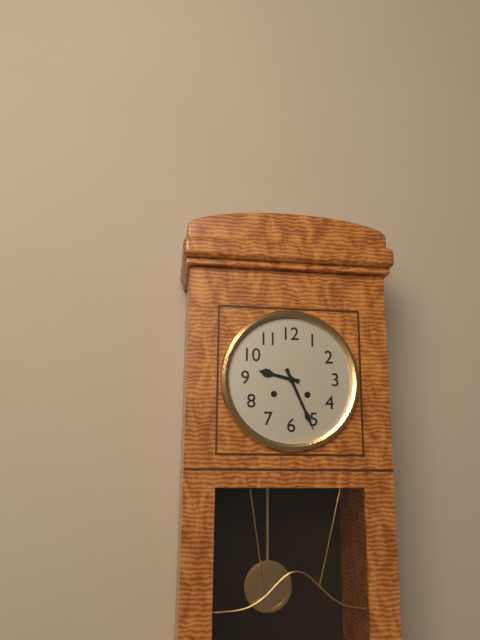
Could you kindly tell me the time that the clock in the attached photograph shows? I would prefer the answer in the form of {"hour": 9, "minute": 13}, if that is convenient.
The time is {"hour": 9, "minute": 26}
